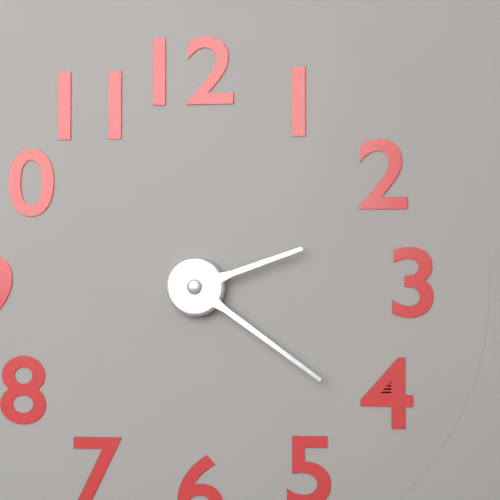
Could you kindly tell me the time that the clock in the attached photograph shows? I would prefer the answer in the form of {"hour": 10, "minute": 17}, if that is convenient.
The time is {"hour": 2, "minute": 21}
